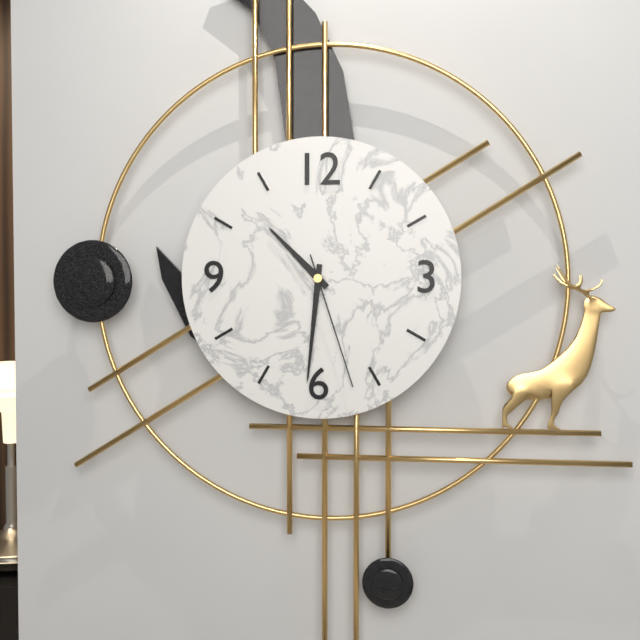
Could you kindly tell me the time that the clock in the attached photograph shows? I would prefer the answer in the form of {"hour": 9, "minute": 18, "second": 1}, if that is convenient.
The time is {"hour": 10, "minute": 31, "second": 27}
